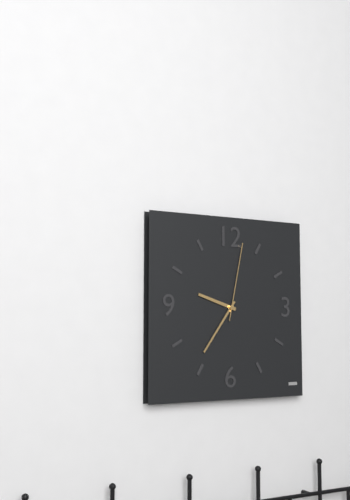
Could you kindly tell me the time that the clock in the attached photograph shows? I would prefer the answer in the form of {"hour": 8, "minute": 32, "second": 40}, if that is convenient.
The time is {"hour": 9, "minute": 36, "second": 2}
